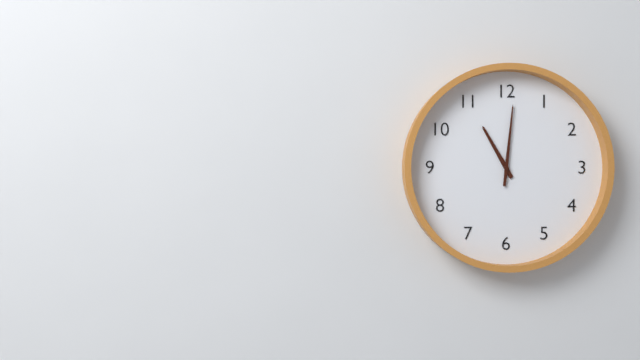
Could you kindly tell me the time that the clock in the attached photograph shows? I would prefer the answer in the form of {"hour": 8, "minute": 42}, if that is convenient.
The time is {"hour": 11, "minute": 1}
